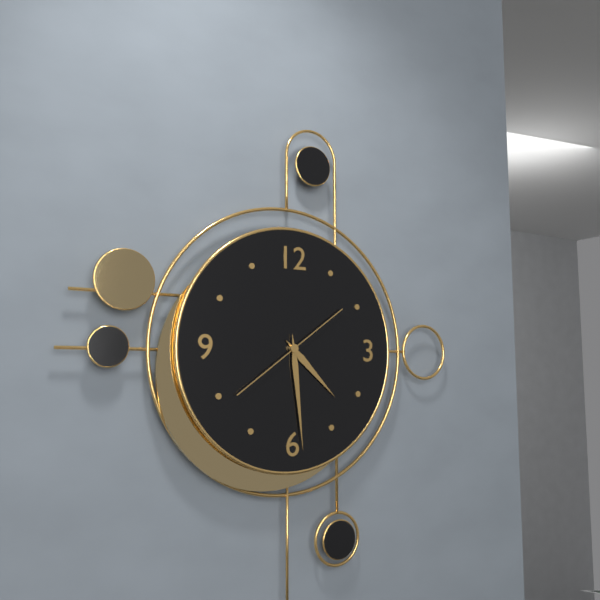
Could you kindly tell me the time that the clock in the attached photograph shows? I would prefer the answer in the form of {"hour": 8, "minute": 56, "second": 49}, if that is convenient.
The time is {"hour": 4, "minute": 29, "second": 39}
